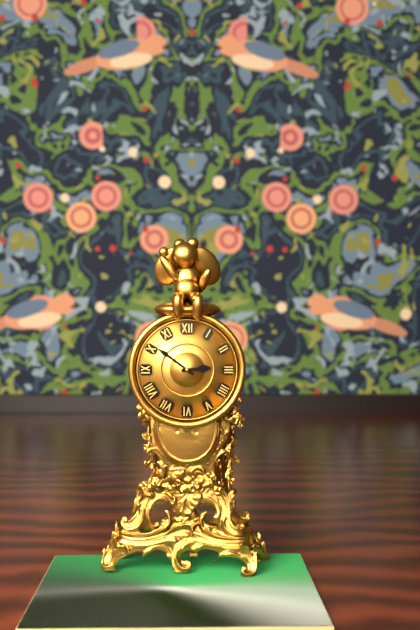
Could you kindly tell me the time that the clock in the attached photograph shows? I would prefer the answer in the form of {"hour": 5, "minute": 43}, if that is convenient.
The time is {"hour": 2, "minute": 51}
